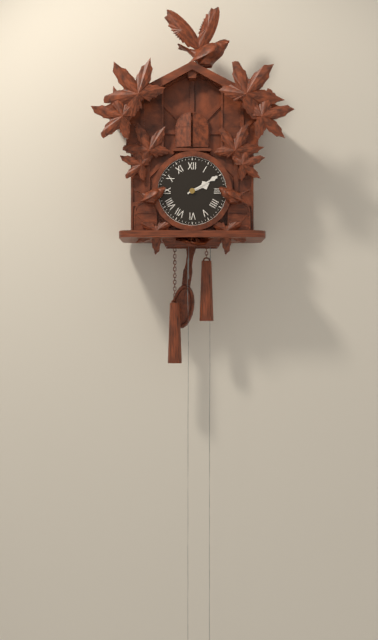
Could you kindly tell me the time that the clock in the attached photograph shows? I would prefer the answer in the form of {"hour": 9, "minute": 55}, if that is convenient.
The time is {"hour": 2, "minute": 10}
